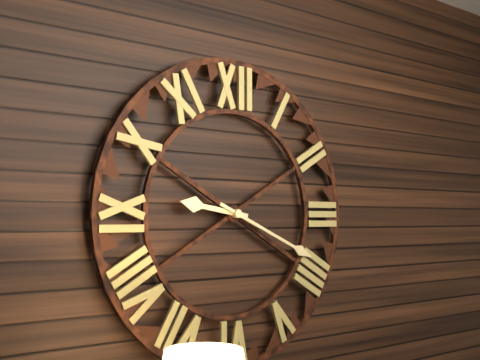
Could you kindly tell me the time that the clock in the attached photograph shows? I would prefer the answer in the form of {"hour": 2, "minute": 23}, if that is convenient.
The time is {"hour": 9, "minute": 19}
